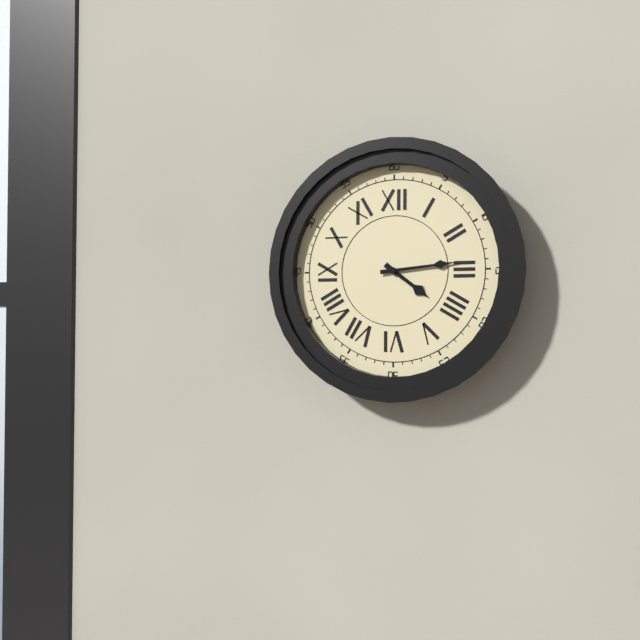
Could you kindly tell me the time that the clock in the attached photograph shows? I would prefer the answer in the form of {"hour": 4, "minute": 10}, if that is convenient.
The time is {"hour": 4, "minute": 14}
